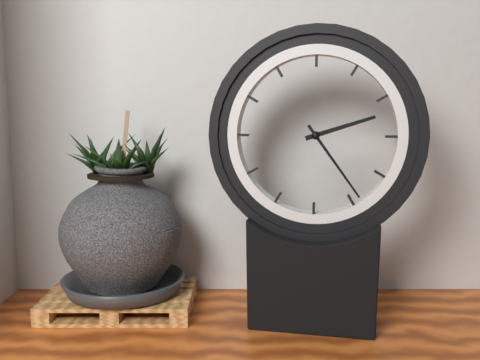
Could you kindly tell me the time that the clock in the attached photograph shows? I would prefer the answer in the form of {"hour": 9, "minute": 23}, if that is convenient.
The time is {"hour": 2, "minute": 24}
